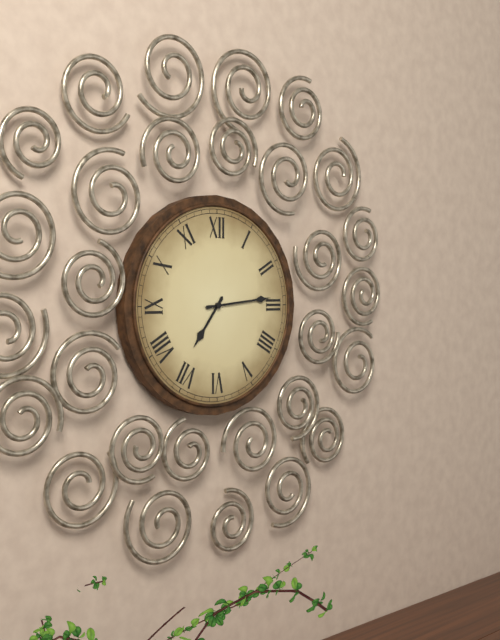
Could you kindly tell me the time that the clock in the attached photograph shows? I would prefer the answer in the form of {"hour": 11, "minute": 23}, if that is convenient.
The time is {"hour": 7, "minute": 14}
